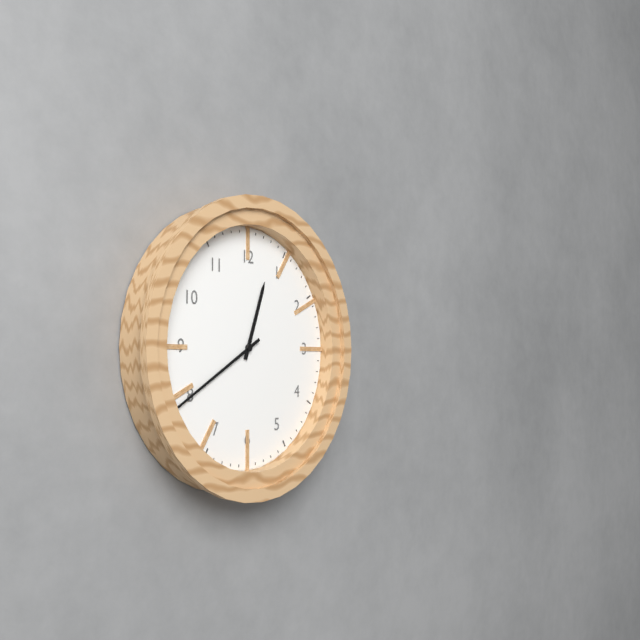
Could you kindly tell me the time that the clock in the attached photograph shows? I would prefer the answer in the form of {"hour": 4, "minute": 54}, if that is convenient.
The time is {"hour": 12, "minute": 40}
